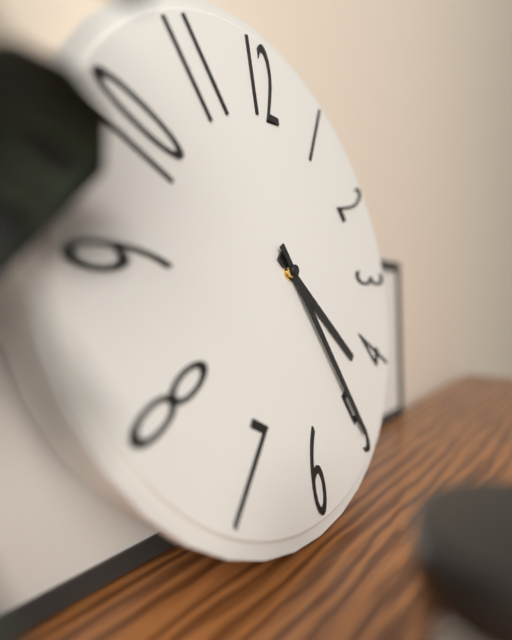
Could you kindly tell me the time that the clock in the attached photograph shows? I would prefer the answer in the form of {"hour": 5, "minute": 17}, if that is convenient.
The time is {"hour": 4, "minute": 25}
